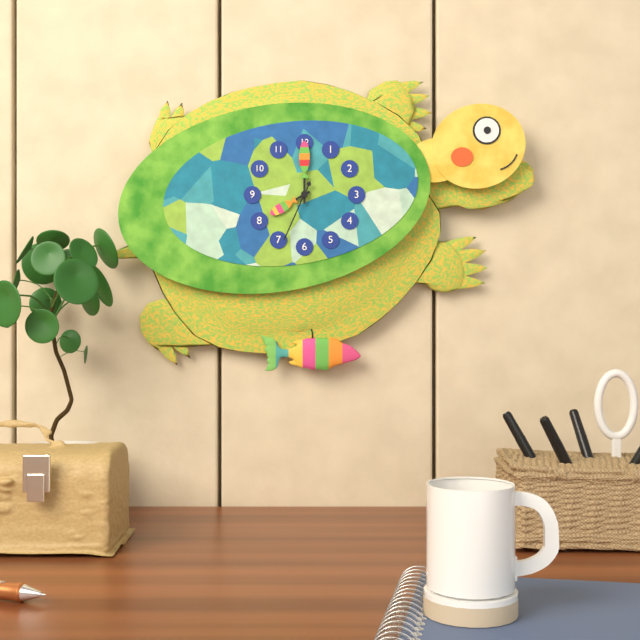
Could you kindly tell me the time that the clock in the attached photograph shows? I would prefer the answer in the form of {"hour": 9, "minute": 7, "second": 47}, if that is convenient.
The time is {"hour": 8, "minute": 0, "second": 34}
